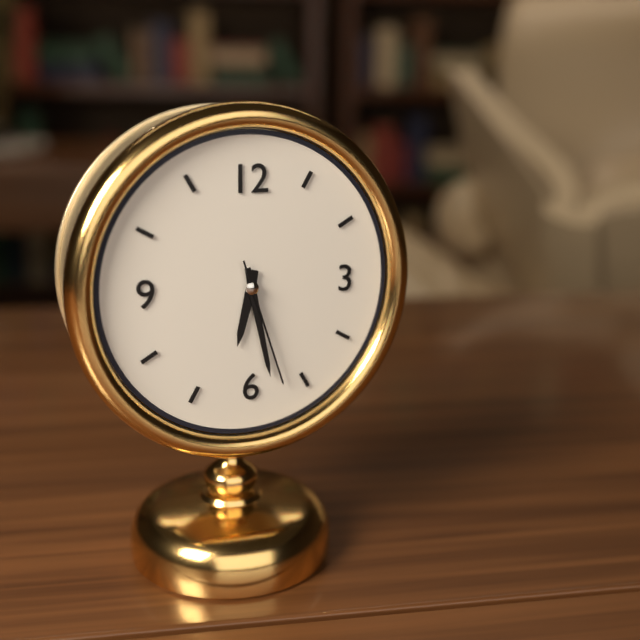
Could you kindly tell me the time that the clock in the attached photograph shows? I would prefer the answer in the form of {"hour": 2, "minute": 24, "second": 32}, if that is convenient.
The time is {"hour": 6, "minute": 28, "second": 27}
